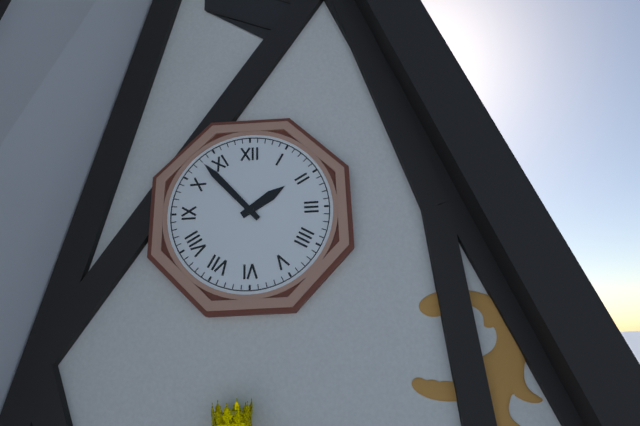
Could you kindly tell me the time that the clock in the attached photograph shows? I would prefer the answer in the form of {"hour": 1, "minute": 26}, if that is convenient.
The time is {"hour": 1, "minute": 53}
